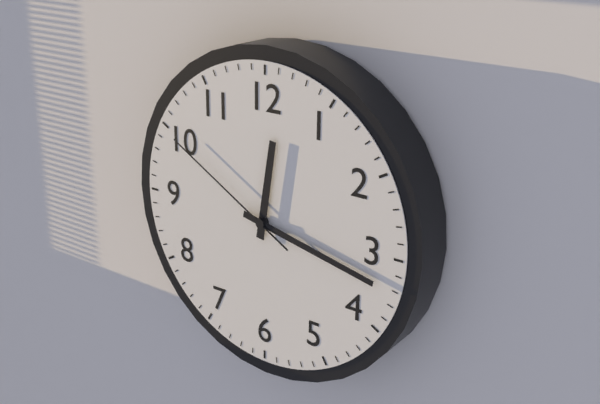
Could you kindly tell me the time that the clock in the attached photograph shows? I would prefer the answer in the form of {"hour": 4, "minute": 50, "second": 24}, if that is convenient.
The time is {"hour": 12, "minute": 17, "second": 50}
